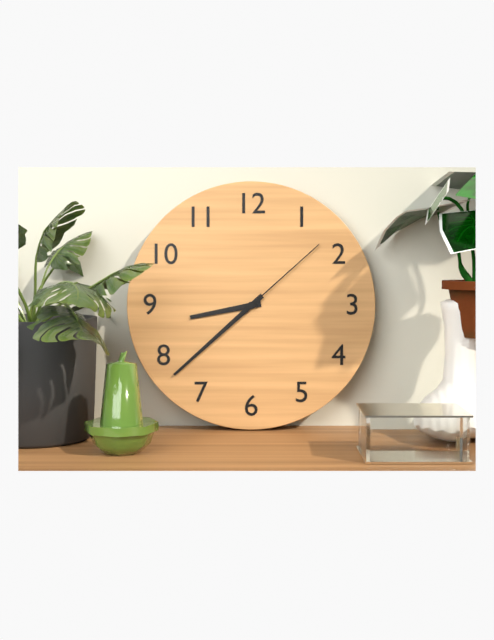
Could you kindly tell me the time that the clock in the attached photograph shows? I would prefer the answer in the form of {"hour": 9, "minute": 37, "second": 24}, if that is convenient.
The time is {"hour": 8, "minute": 38, "second": 8}
